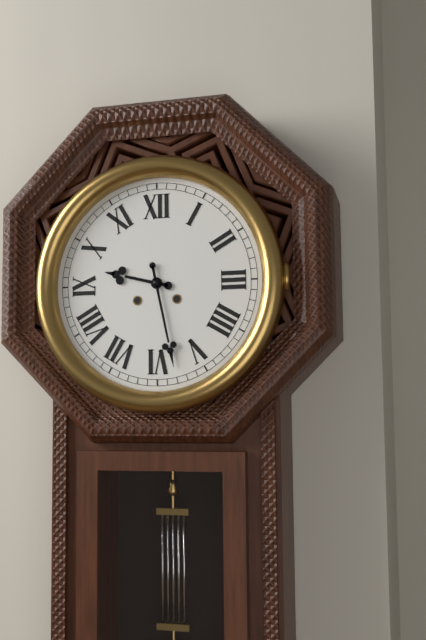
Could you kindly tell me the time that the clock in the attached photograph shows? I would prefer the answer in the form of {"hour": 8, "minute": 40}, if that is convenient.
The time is {"hour": 9, "minute": 28}
